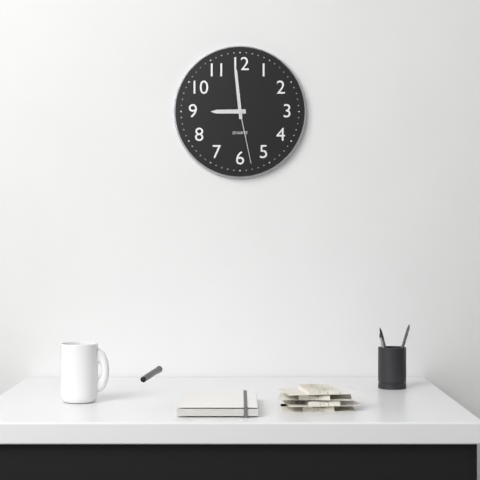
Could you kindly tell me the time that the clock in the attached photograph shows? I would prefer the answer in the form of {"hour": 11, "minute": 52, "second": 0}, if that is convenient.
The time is {"hour": 8, "minute": 59, "second": 28}
